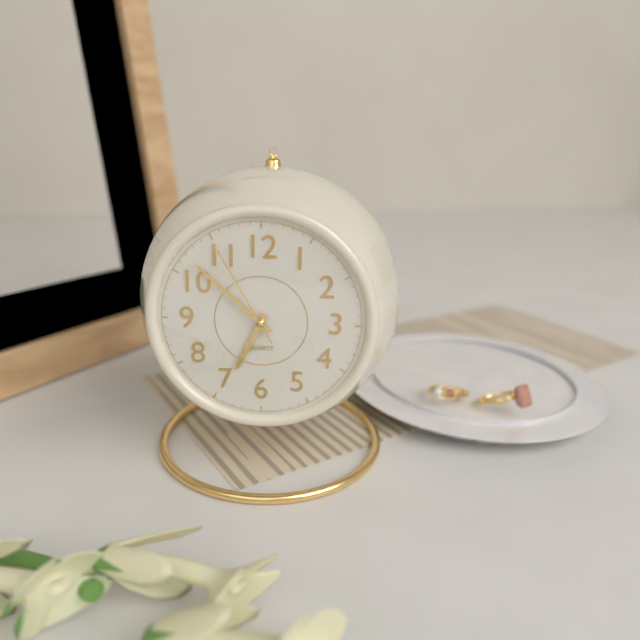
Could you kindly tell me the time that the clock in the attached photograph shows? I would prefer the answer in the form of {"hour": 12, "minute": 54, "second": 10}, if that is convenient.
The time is {"hour": 6, "minute": 52, "second": 55}
